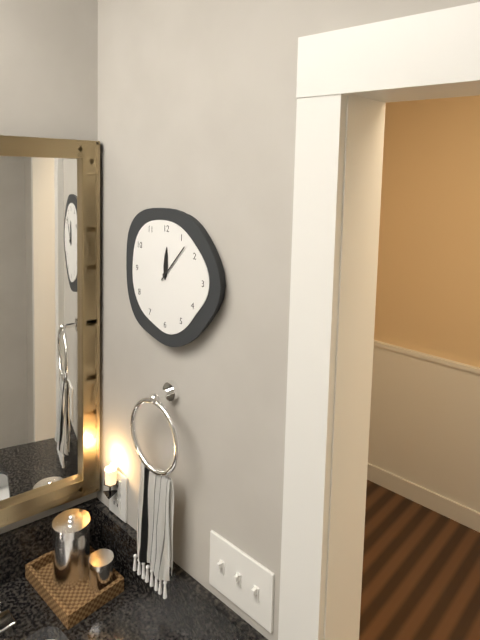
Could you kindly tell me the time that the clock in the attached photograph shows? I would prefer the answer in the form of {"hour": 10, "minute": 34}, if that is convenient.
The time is {"hour": 12, "minute": 7}
